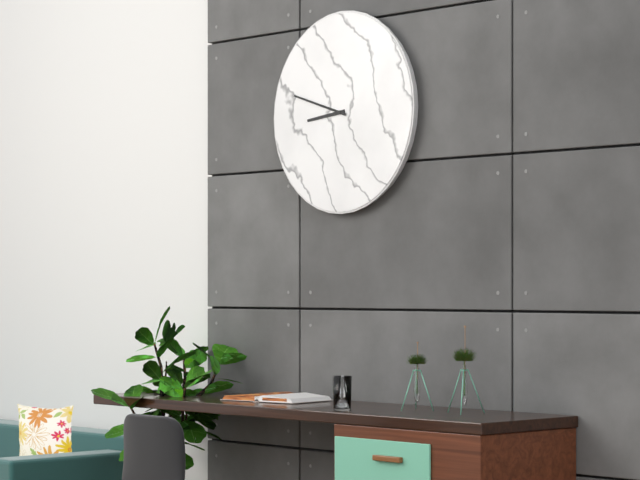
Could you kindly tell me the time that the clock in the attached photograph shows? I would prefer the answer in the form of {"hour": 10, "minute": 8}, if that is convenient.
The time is {"hour": 8, "minute": 48}
